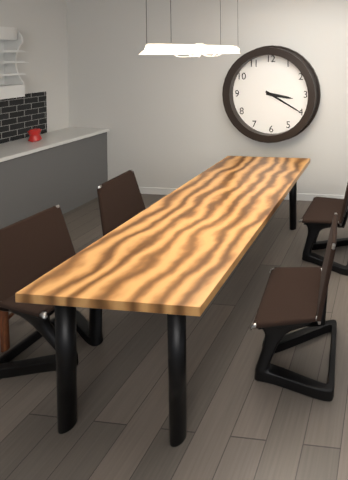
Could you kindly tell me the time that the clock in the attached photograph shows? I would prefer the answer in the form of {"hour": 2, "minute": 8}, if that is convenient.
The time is {"hour": 3, "minute": 20}
